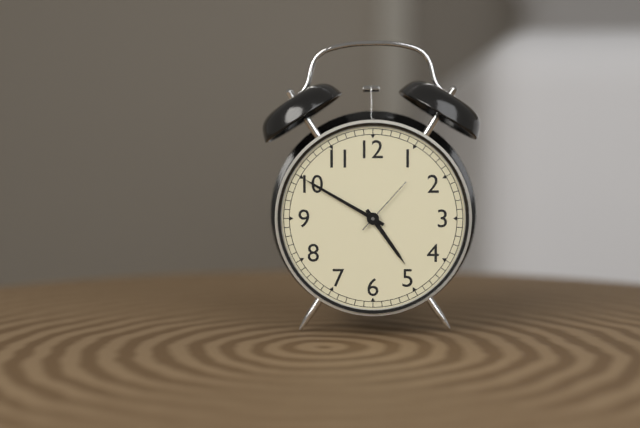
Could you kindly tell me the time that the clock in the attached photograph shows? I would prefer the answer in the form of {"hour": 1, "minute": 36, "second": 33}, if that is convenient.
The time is {"hour": 4, "minute": 50, "second": 7}
